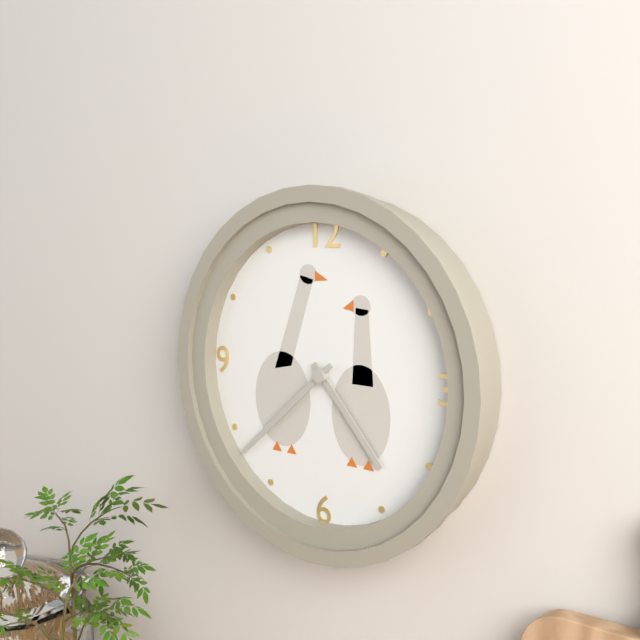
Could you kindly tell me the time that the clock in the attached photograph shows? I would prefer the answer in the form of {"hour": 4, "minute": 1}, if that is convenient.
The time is {"hour": 4, "minute": 38}
